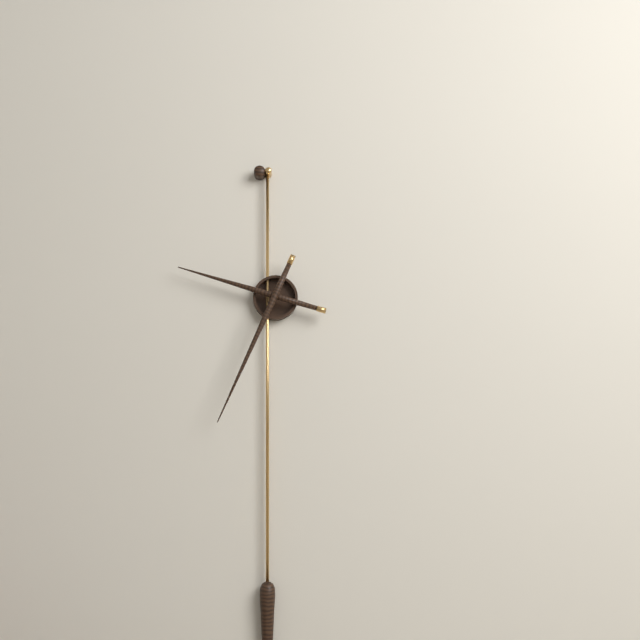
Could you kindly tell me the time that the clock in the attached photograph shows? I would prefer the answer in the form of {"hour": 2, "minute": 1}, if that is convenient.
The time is {"hour": 9, "minute": 34}
